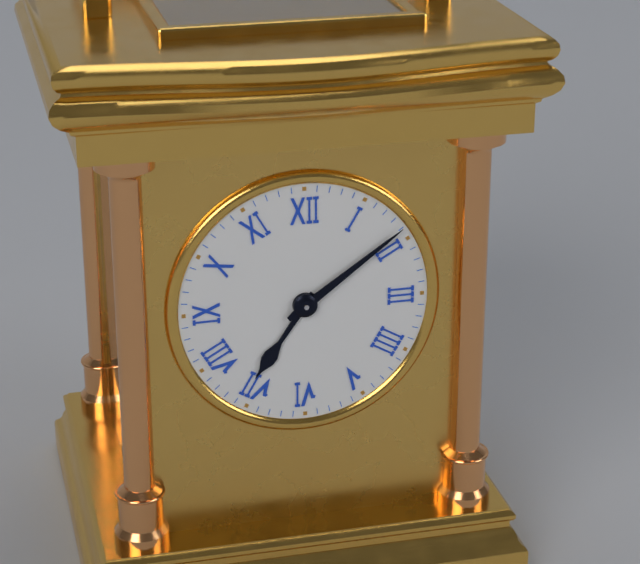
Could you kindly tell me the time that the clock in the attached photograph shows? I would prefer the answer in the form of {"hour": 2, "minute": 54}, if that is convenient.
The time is {"hour": 7, "minute": 9}
